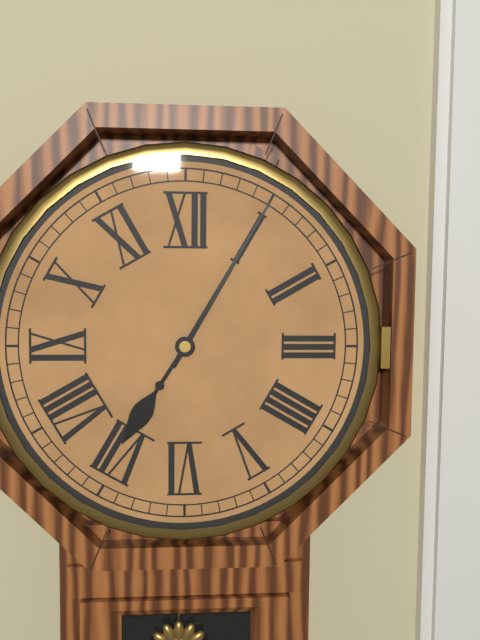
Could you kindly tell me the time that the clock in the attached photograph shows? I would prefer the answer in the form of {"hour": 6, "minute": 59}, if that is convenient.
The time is {"hour": 7, "minute": 5}
